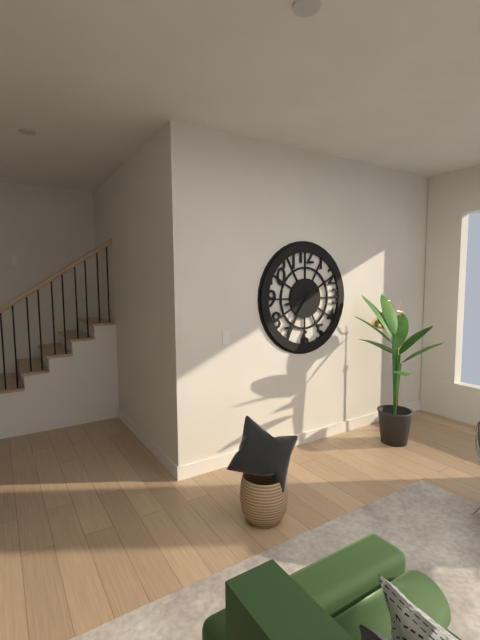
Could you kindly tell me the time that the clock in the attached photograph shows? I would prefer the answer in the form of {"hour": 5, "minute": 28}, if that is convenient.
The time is {"hour": 8, "minute": 36}
